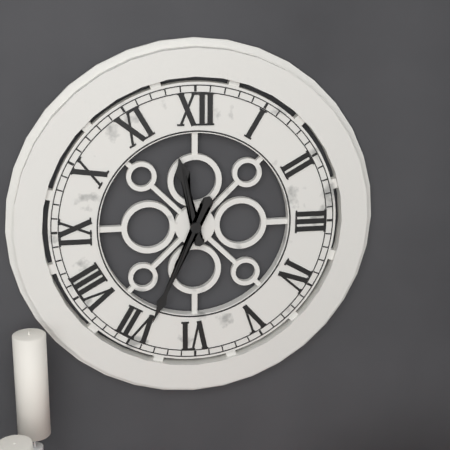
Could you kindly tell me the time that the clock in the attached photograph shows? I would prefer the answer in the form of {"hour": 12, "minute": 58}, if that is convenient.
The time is {"hour": 11, "minute": 34}
